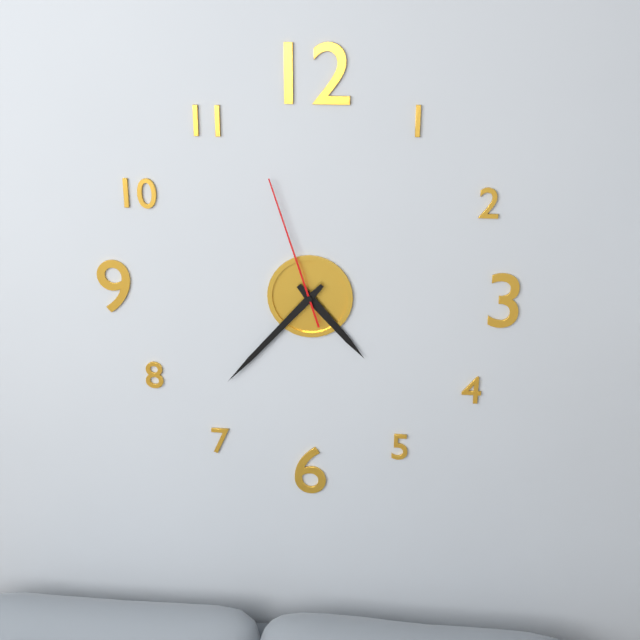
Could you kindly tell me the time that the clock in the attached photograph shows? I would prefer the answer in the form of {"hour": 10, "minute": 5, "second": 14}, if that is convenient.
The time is {"hour": 4, "minute": 37, "second": 57}
